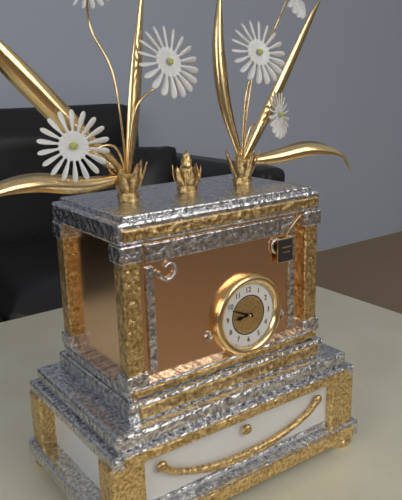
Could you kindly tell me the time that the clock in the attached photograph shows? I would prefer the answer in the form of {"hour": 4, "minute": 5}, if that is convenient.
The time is {"hour": 8, "minute": 49}
